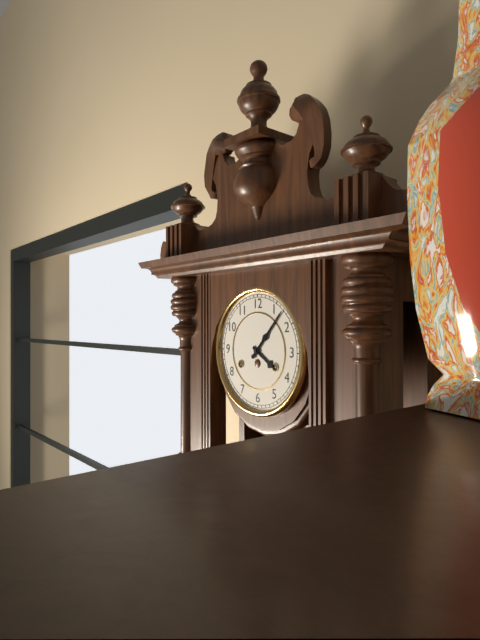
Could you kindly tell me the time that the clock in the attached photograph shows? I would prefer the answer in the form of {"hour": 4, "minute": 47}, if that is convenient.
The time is {"hour": 4, "minute": 7}
